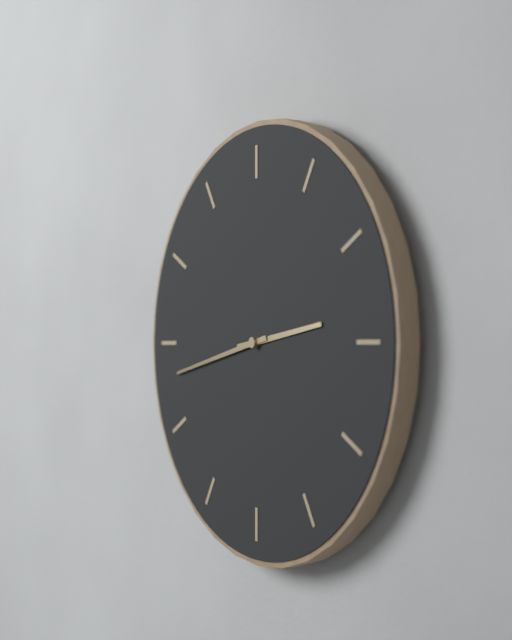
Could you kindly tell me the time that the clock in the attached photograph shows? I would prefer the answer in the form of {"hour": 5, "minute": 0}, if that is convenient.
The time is {"hour": 2, "minute": 43}
